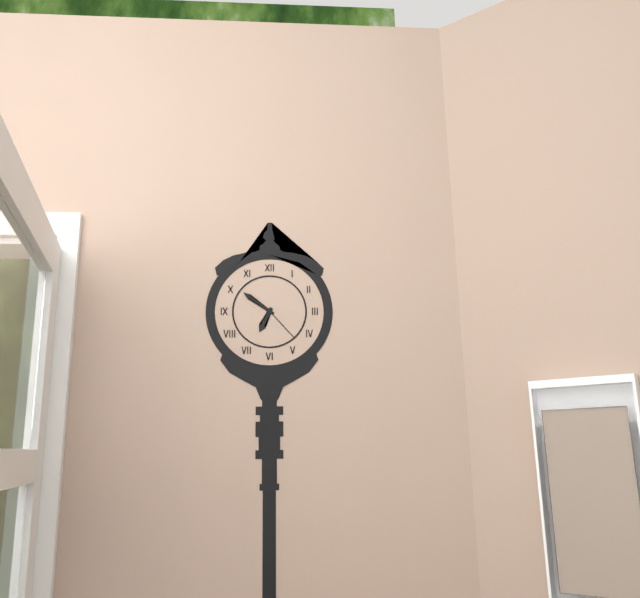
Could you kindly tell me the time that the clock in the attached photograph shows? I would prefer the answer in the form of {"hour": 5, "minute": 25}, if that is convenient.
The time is {"hour": 6, "minute": 51}
